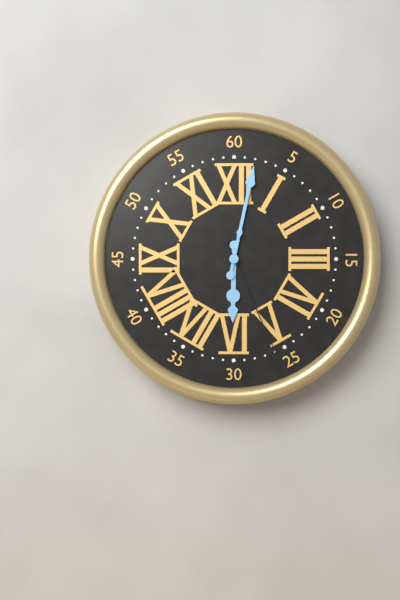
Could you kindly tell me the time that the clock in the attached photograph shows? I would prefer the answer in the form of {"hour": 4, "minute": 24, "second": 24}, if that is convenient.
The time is {"hour": 6, "minute": 2, "second": 26}
